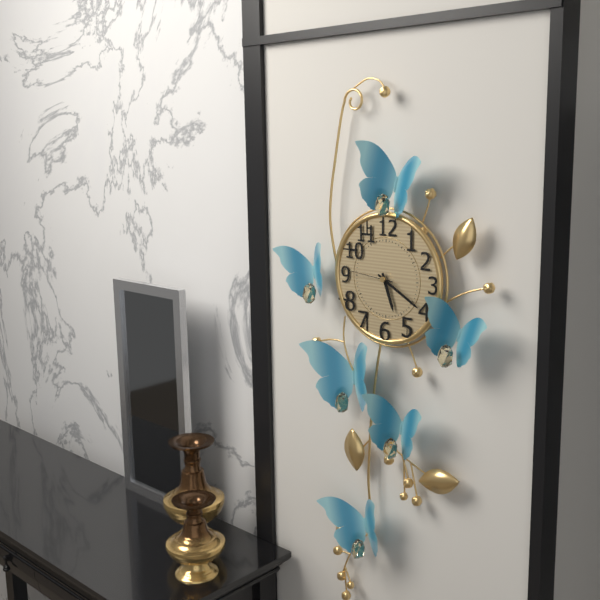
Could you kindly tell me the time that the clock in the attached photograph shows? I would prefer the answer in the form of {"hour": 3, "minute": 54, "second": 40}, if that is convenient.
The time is {"hour": 5, "minute": 20, "second": 46}
